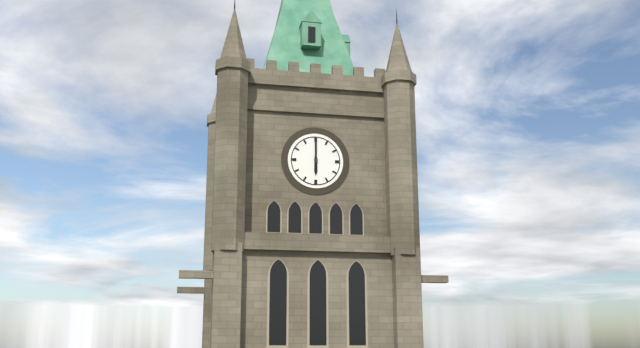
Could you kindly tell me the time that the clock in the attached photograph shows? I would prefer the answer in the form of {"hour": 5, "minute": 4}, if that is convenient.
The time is {"hour": 6, "minute": 0}
